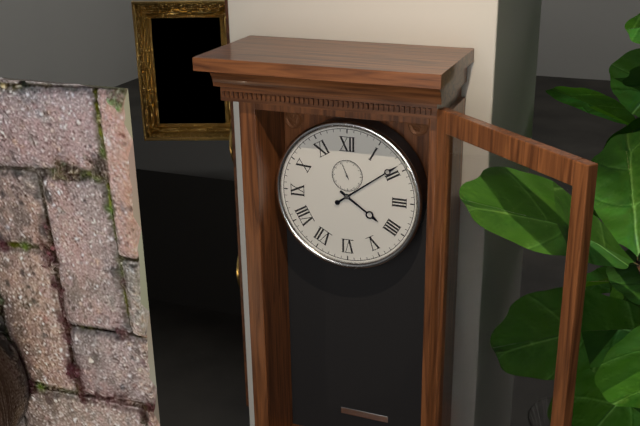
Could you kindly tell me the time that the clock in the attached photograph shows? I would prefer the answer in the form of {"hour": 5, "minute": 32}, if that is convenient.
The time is {"hour": 4, "minute": 9}
